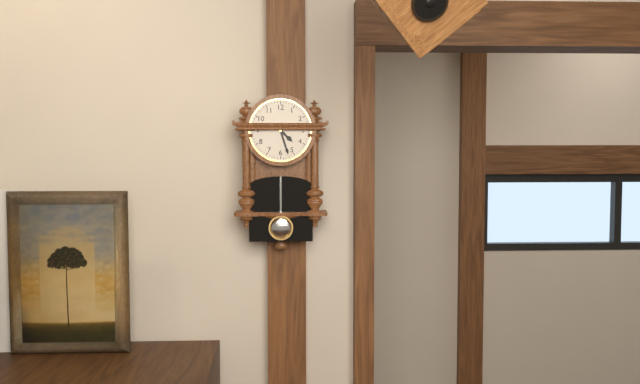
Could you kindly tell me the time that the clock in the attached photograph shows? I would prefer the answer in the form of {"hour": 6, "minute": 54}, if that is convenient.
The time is {"hour": 4, "minute": 27}
